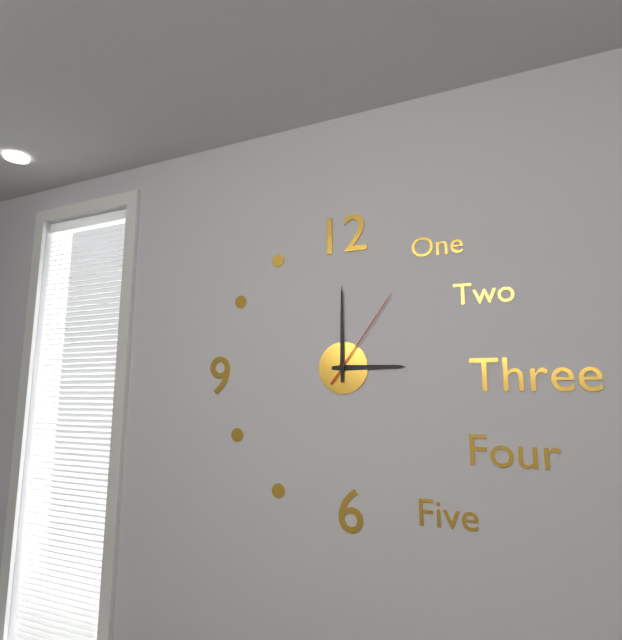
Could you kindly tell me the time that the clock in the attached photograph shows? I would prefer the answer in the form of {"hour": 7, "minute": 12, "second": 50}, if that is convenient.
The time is {"hour": 3, "minute": 0, "second": 6}
